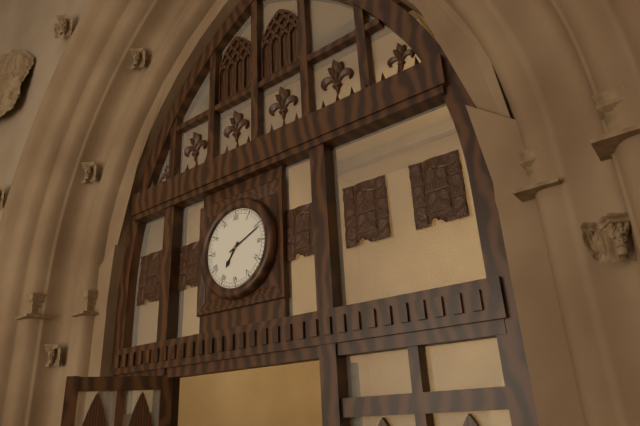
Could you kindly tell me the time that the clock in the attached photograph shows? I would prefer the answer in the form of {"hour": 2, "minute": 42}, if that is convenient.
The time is {"hour": 7, "minute": 11}
